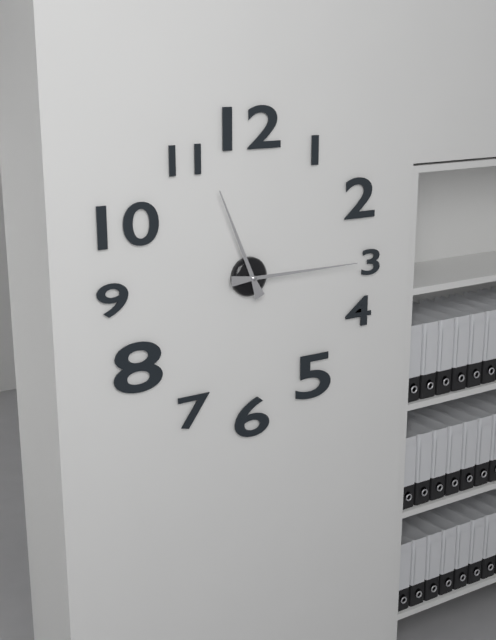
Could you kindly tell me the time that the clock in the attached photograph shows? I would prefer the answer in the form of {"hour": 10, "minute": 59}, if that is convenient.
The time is {"hour": 11, "minute": 15}
